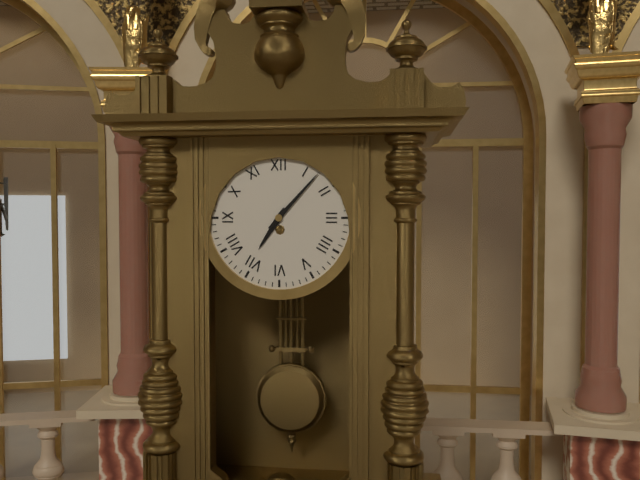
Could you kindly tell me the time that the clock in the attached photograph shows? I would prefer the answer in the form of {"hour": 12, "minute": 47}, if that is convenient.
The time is {"hour": 7, "minute": 7}
